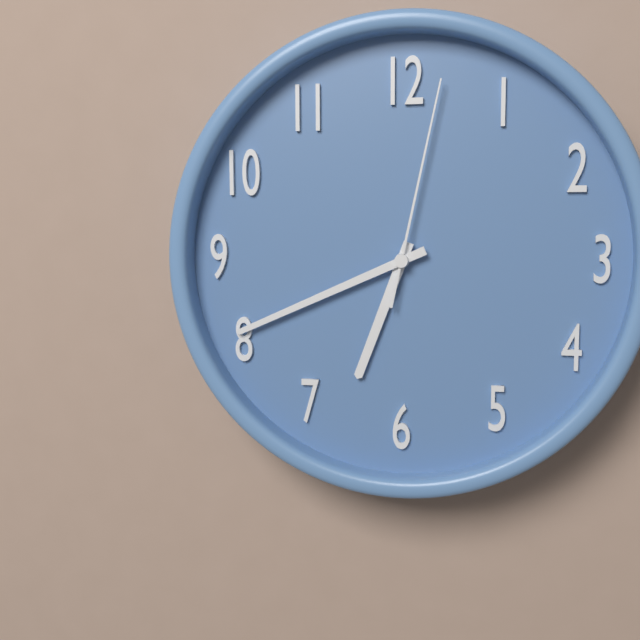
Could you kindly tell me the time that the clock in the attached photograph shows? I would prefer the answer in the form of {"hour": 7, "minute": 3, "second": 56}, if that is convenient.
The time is {"hour": 6, "minute": 41, "second": 2}
